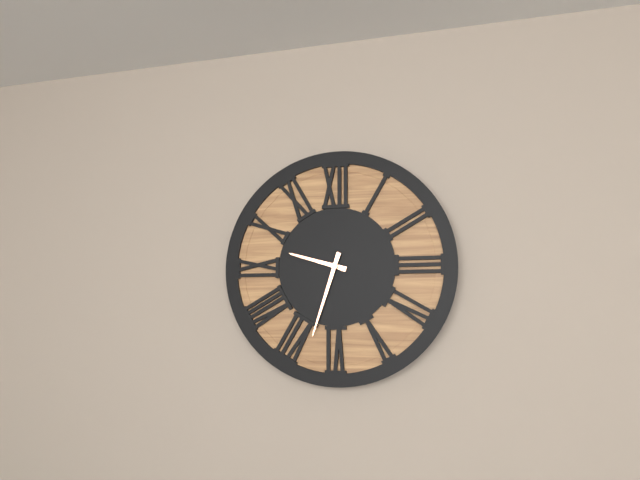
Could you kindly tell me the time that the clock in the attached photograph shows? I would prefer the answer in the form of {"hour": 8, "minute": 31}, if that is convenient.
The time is {"hour": 9, "minute": 33}
